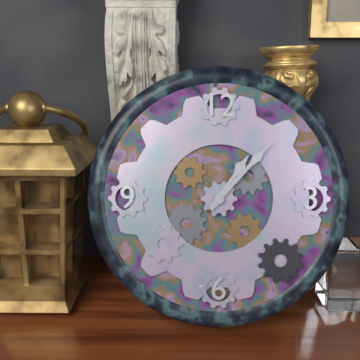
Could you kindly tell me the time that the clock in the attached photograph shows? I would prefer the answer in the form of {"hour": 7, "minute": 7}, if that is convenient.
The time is {"hour": 1, "minute": 7}
